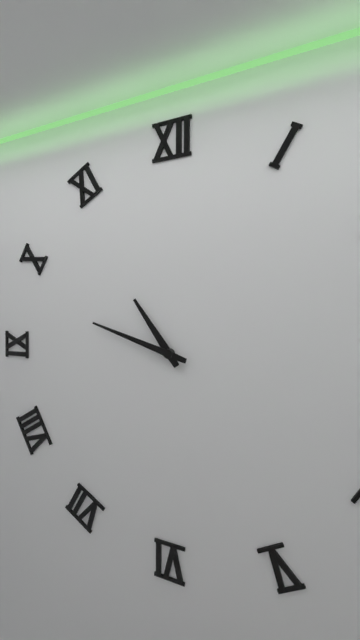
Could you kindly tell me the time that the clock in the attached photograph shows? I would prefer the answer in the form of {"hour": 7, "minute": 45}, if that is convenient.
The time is {"hour": 10, "minute": 48}
